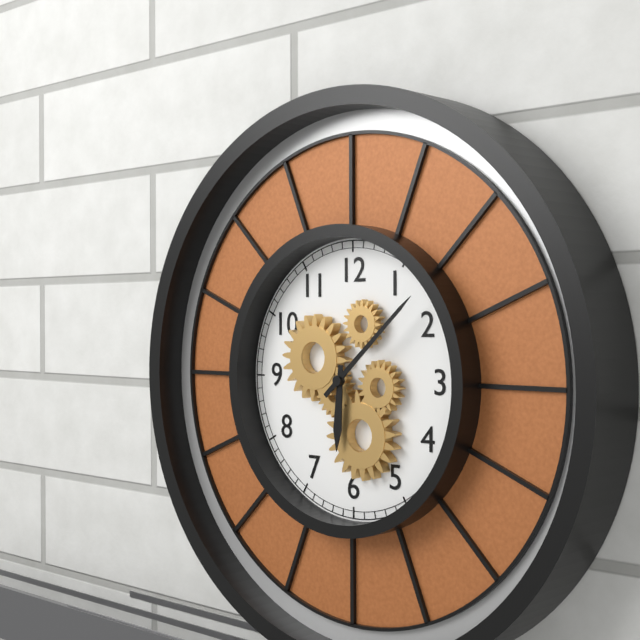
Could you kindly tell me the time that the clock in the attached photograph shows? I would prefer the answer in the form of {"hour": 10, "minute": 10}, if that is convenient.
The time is {"hour": 6, "minute": 8}
